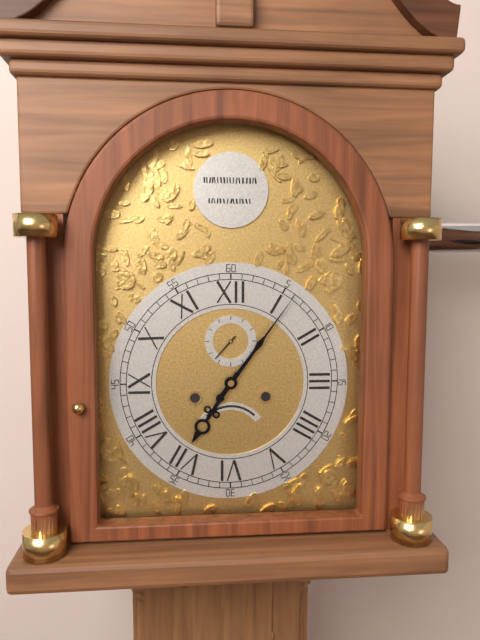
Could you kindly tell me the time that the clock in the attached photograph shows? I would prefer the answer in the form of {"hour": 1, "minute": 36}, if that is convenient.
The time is {"hour": 7, "minute": 6}
